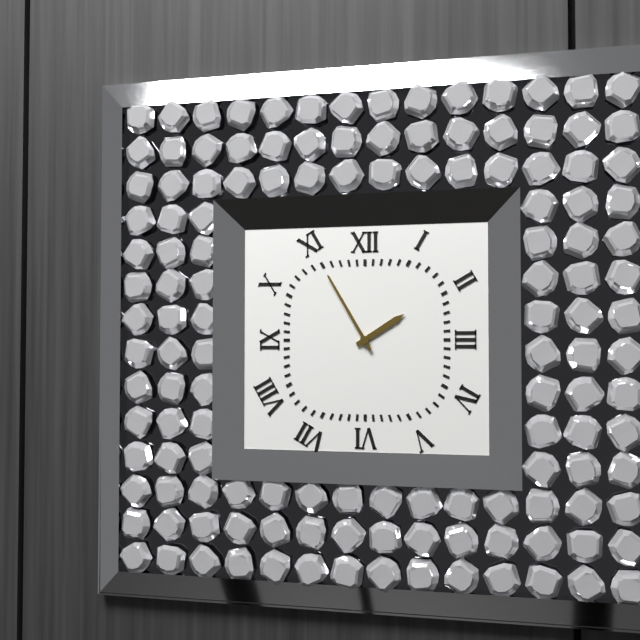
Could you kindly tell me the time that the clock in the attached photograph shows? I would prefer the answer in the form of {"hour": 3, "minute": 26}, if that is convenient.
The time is {"hour": 1, "minute": 55}
